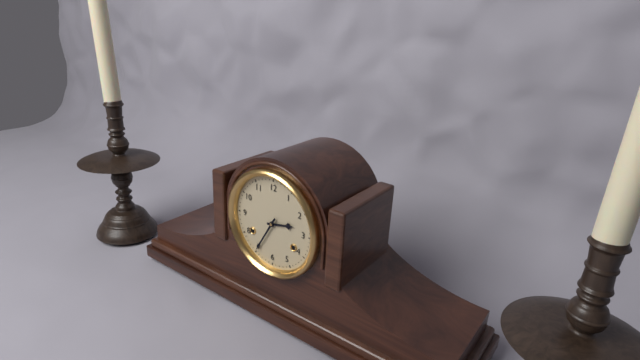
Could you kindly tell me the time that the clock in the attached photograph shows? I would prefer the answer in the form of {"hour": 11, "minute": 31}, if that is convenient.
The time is {"hour": 2, "minute": 35}
